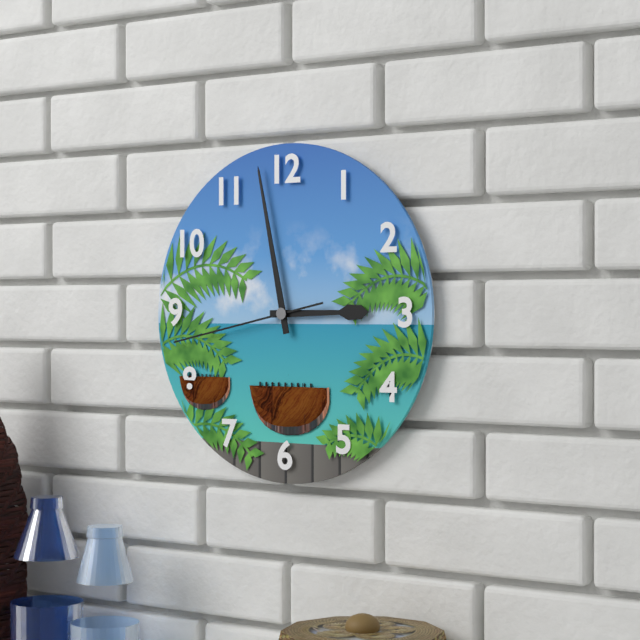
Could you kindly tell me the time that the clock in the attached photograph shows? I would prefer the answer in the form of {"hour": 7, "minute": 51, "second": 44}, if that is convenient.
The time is {"hour": 2, "minute": 58, "second": 43}
